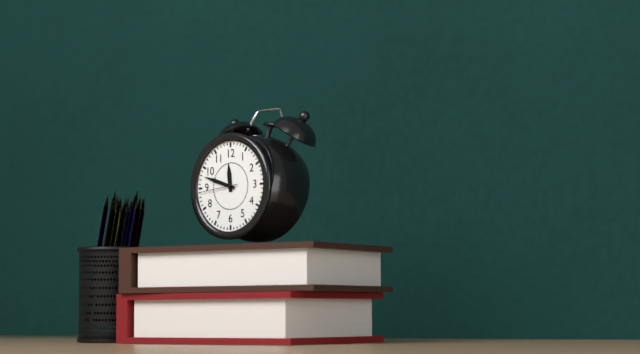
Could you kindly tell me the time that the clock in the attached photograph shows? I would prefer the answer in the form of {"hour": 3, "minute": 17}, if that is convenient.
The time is {"hour": 11, "minute": 48}
